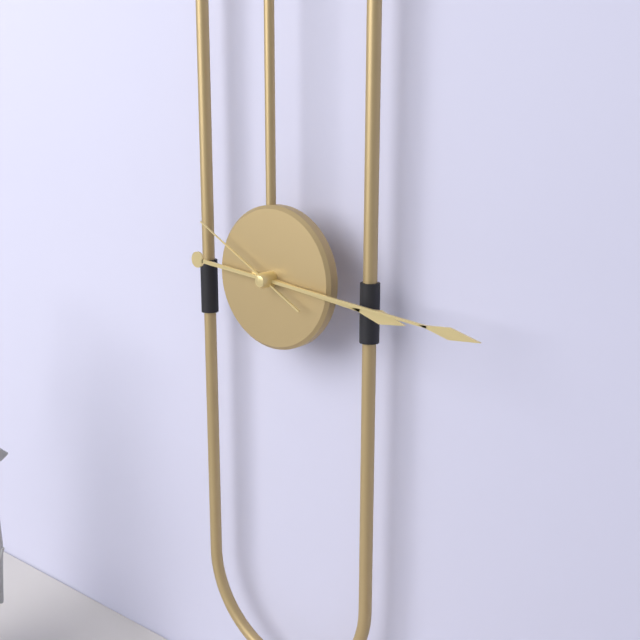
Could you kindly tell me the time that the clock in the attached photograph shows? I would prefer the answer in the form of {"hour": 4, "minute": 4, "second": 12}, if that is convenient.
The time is {"hour": 3, "minute": 16, "second": 50}
